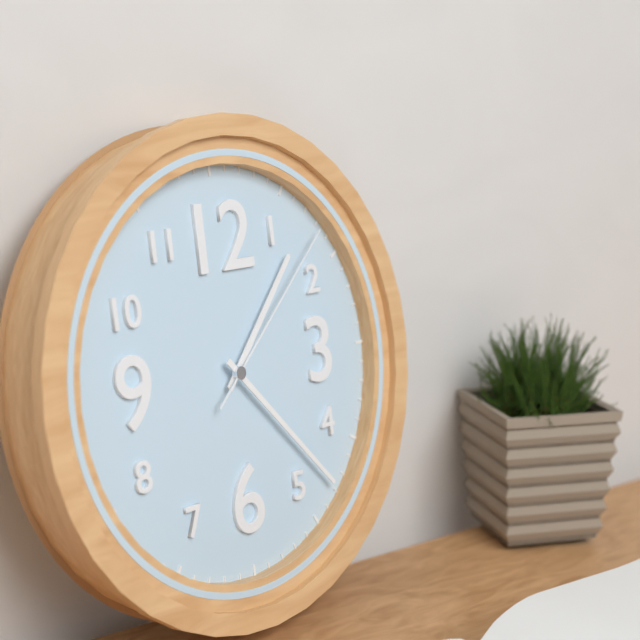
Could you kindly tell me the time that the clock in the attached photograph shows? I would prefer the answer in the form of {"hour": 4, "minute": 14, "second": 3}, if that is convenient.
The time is {"hour": 1, "minute": 23, "second": 8}
